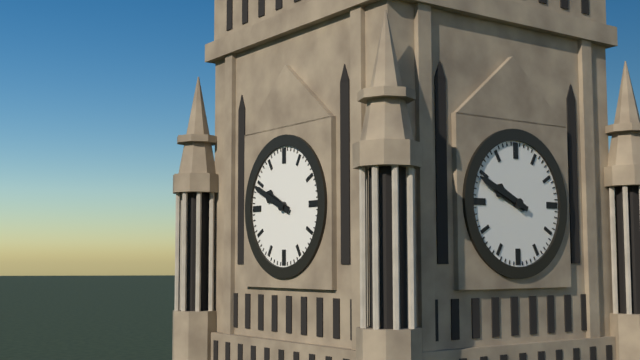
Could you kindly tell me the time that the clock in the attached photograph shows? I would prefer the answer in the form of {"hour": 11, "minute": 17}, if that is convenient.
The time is {"hour": 9, "minute": 49}
